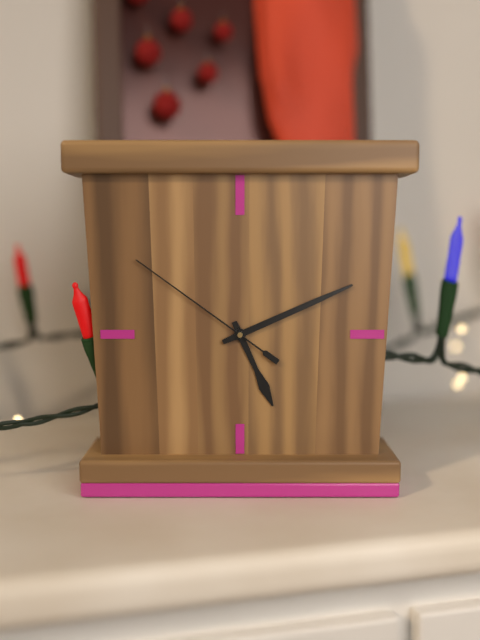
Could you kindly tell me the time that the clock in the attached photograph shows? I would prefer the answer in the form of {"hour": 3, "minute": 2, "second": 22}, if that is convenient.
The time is {"hour": 5, "minute": 11, "second": 51}
